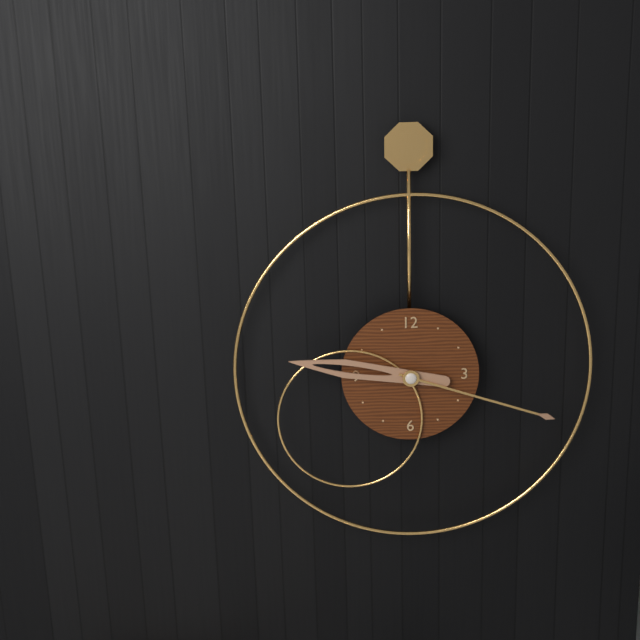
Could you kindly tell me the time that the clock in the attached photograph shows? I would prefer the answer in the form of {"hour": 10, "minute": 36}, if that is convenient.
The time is {"hour": 9, "minute": 18}
